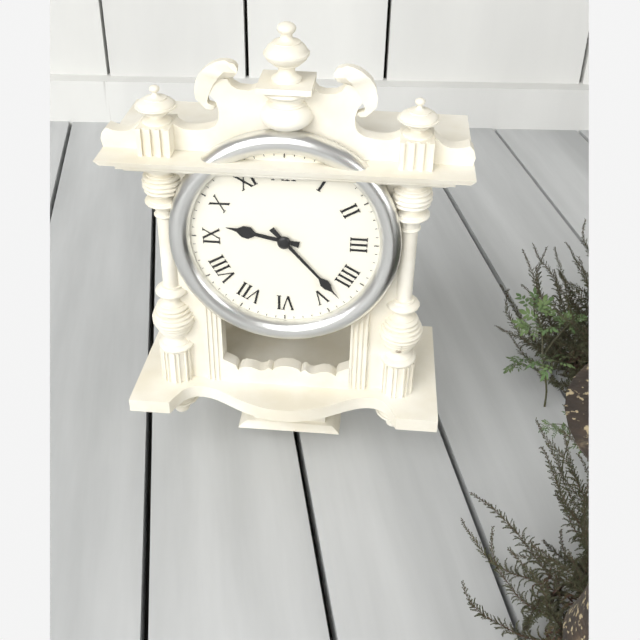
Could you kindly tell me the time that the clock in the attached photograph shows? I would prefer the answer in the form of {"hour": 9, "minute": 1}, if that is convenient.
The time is {"hour": 9, "minute": 23}
